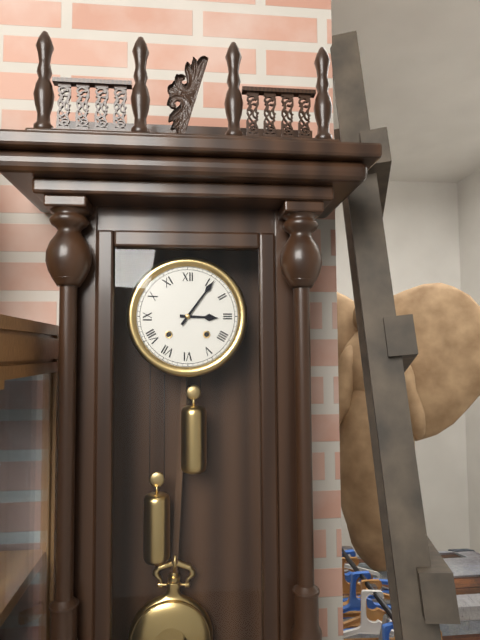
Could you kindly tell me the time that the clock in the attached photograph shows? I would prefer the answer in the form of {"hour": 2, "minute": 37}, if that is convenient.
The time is {"hour": 3, "minute": 6}
